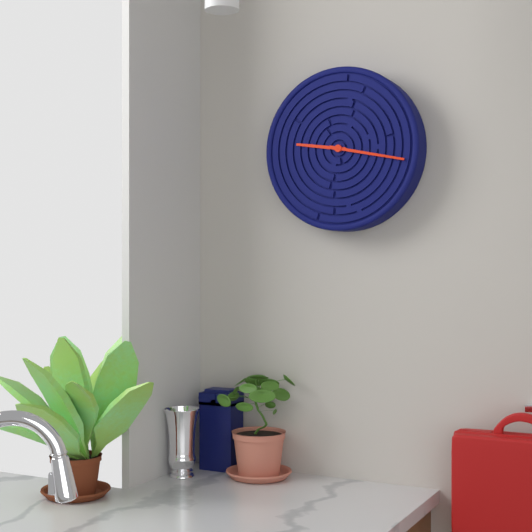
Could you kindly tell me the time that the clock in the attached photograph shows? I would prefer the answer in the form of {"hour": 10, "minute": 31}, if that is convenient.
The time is {"hour": 9, "minute": 17}
